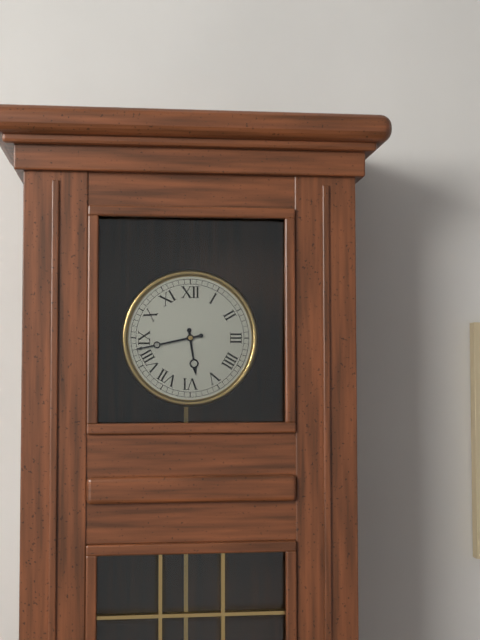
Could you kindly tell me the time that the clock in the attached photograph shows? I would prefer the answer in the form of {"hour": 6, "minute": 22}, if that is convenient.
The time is {"hour": 5, "minute": 43}
